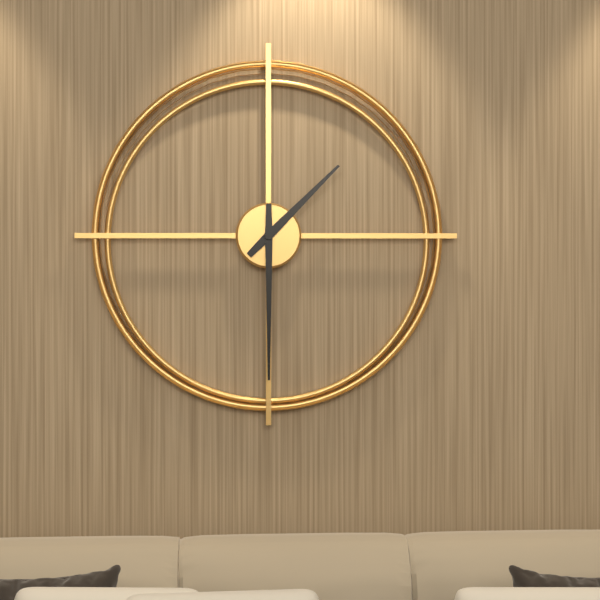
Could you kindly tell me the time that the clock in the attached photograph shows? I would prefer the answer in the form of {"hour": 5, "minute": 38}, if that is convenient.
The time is {"hour": 1, "minute": 30}
